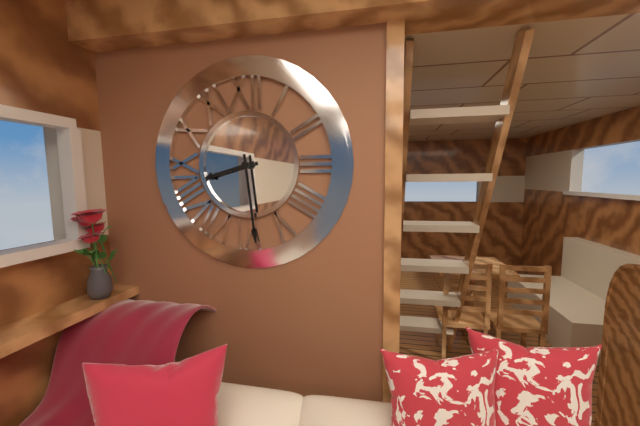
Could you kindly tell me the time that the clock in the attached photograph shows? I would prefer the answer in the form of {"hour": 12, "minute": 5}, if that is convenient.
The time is {"hour": 8, "minute": 29}
